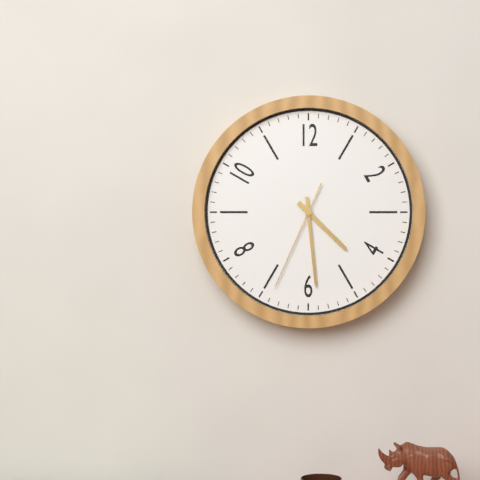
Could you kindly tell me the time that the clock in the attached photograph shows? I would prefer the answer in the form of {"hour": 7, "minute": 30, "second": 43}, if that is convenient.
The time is {"hour": 4, "minute": 29, "second": 34}
